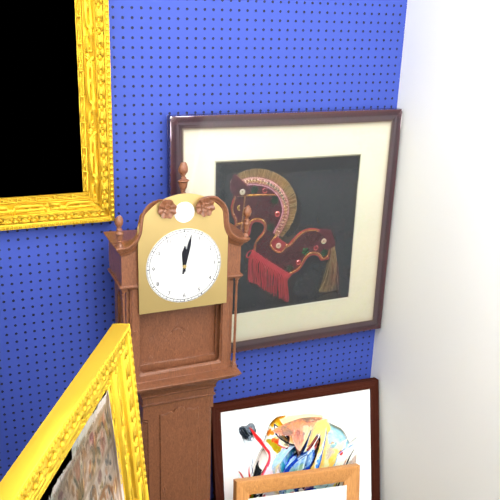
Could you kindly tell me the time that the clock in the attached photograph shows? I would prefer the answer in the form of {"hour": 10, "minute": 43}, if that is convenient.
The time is {"hour": 12, "minute": 2}
